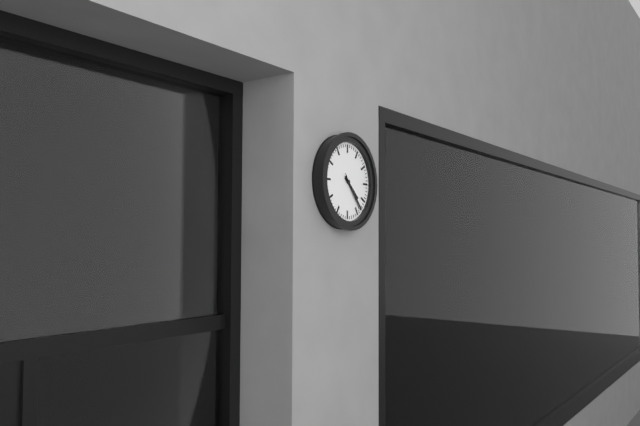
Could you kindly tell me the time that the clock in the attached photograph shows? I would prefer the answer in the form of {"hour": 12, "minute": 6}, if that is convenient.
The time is {"hour": 4, "minute": 23}
